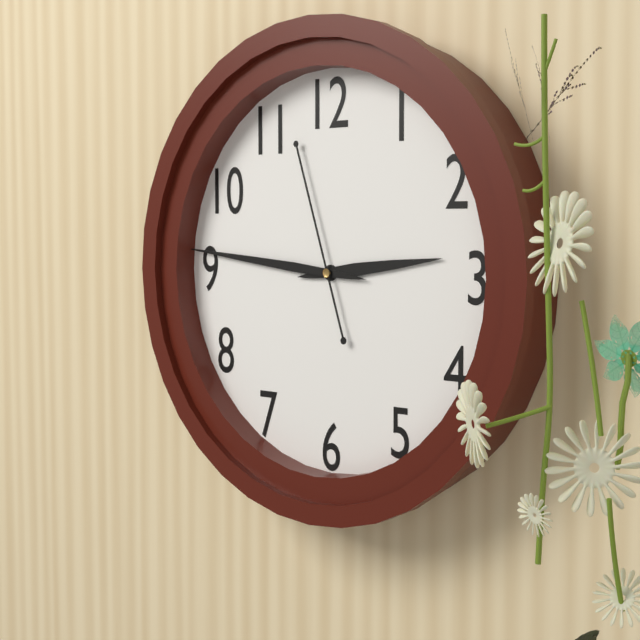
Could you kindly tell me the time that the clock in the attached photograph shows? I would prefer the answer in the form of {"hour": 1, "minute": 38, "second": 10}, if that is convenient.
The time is {"hour": 2, "minute": 46, "second": 57}
